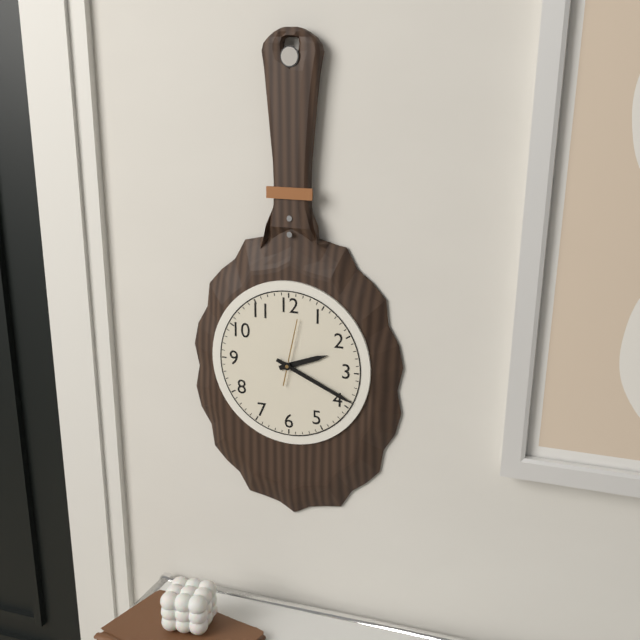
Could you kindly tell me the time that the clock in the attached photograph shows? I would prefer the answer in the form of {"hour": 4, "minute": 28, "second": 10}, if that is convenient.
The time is {"hour": 2, "minute": 19, "second": 2}
